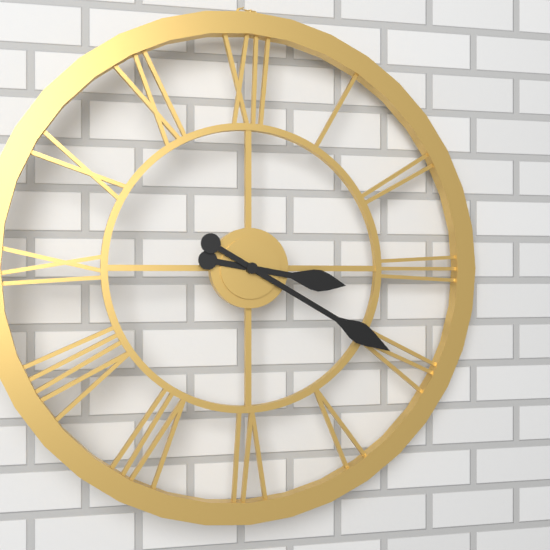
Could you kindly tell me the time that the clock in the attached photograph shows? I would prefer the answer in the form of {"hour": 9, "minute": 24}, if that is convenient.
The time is {"hour": 3, "minute": 20}
